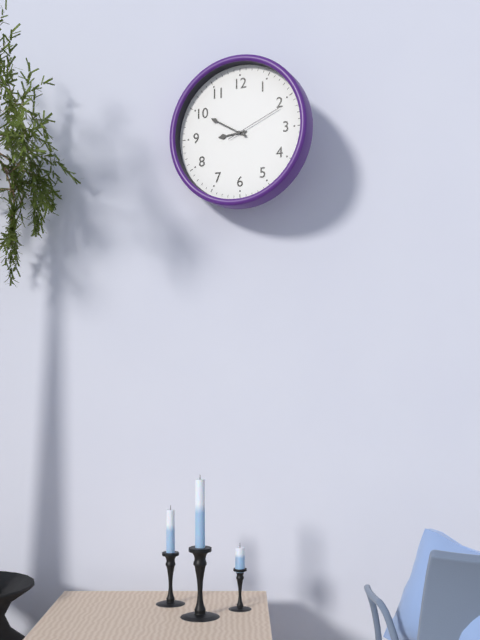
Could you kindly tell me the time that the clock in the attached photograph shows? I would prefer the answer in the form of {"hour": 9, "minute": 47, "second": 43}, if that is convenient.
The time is {"hour": 8, "minute": 50, "second": 11}
